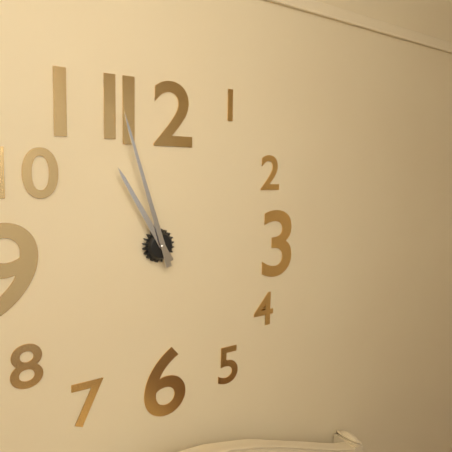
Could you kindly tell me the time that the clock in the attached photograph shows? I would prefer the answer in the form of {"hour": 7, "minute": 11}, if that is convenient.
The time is {"hour": 10, "minute": 57}
